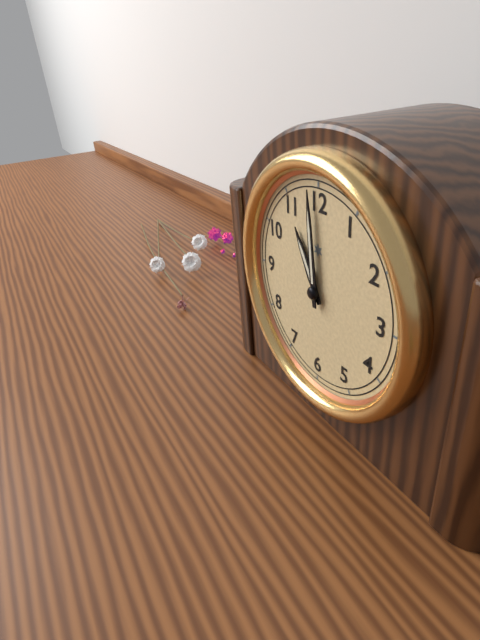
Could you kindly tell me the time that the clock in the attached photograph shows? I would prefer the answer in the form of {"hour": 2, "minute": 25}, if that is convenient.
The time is {"hour": 10, "minute": 59}
